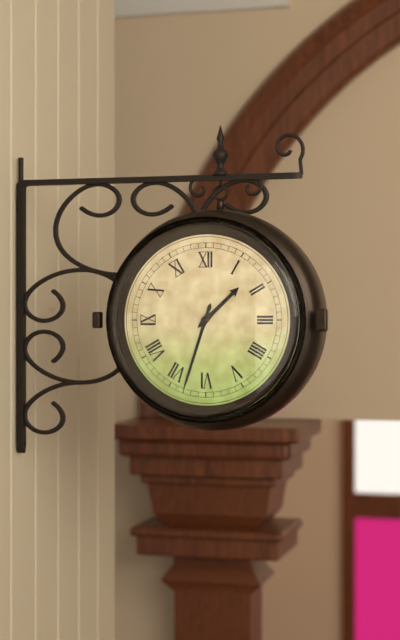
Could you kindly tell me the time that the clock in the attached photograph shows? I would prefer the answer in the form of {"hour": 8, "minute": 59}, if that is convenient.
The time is {"hour": 1, "minute": 33}
